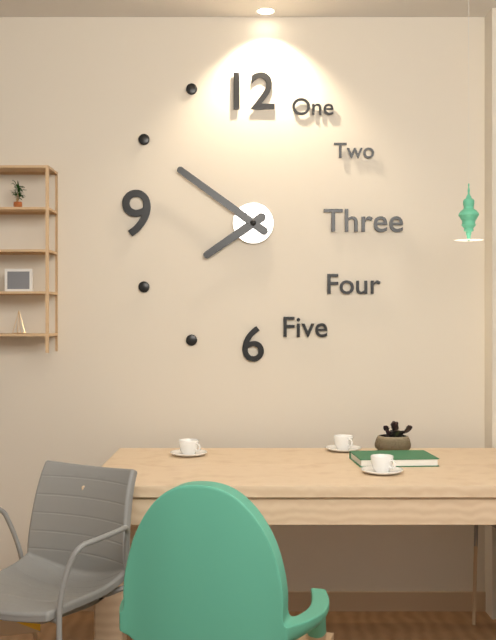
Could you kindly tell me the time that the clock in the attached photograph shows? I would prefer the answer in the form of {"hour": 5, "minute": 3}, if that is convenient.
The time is {"hour": 7, "minute": 51}
